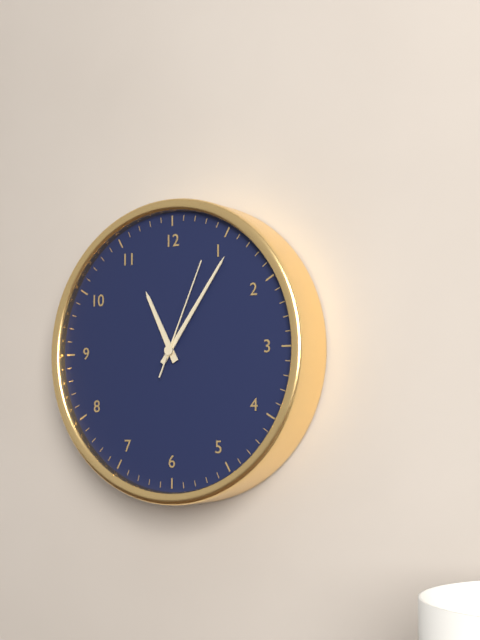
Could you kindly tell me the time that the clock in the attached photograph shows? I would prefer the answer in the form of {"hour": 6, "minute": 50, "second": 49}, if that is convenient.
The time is {"hour": 11, "minute": 6, "second": 4}
